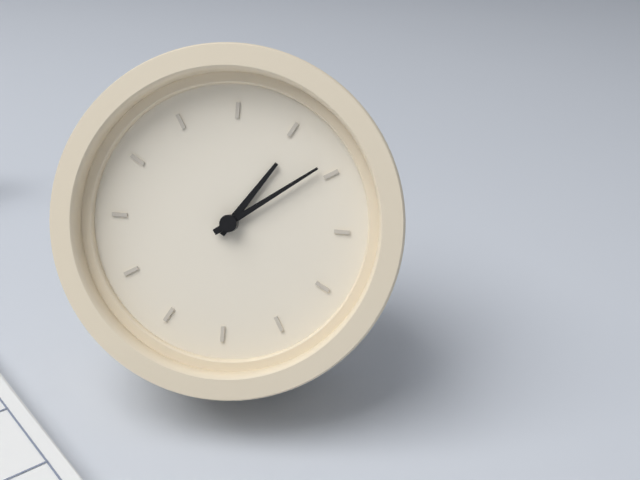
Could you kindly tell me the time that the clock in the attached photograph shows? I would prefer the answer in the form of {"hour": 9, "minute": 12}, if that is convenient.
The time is {"hour": 1, "minute": 9}
